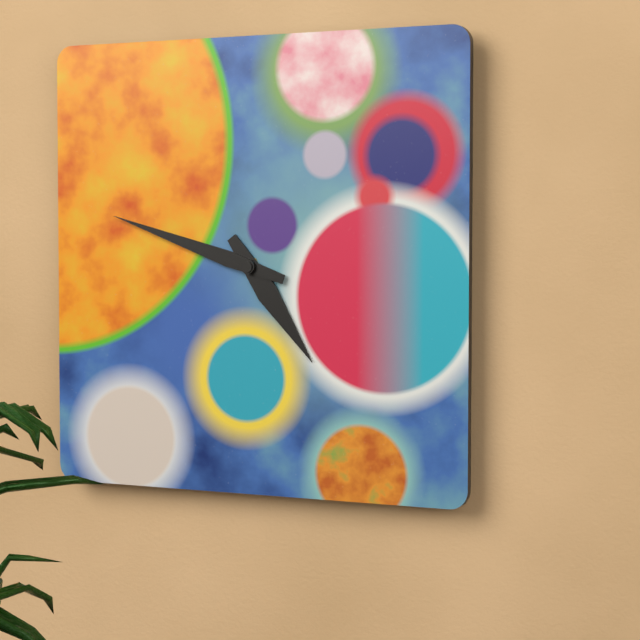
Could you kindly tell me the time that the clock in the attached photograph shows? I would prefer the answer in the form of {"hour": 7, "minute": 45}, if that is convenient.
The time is {"hour": 4, "minute": 48}
